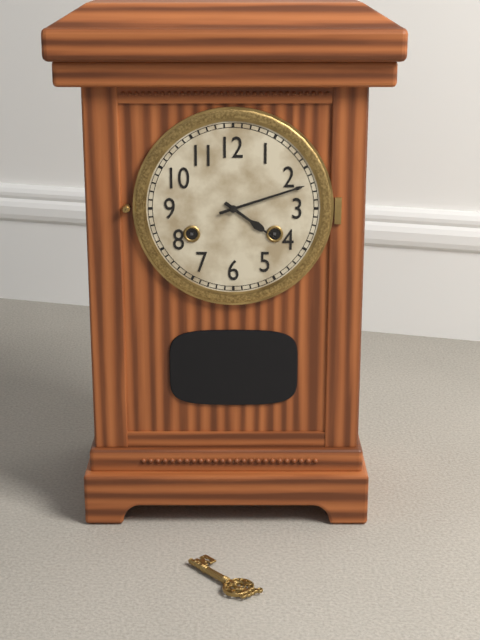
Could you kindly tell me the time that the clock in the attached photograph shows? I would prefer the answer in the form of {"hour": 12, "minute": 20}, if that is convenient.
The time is {"hour": 4, "minute": 12}
